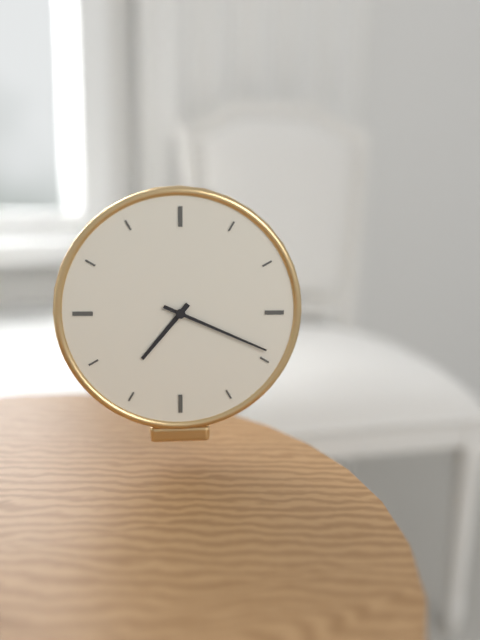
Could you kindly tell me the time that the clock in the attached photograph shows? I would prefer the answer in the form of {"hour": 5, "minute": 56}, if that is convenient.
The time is {"hour": 7, "minute": 19}
